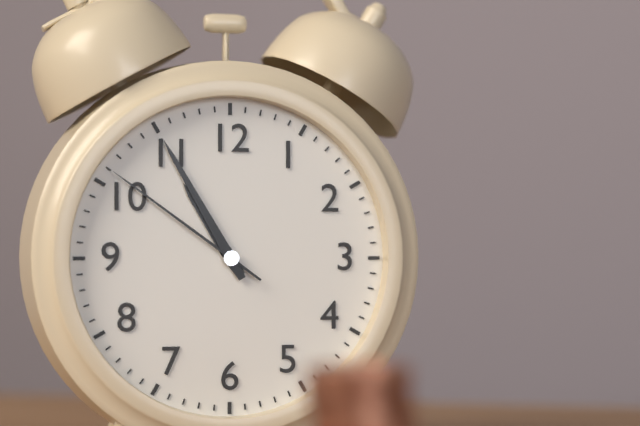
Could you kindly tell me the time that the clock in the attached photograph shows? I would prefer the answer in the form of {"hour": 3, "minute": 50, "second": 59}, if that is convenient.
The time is {"hour": 10, "minute": 55, "second": 51}
